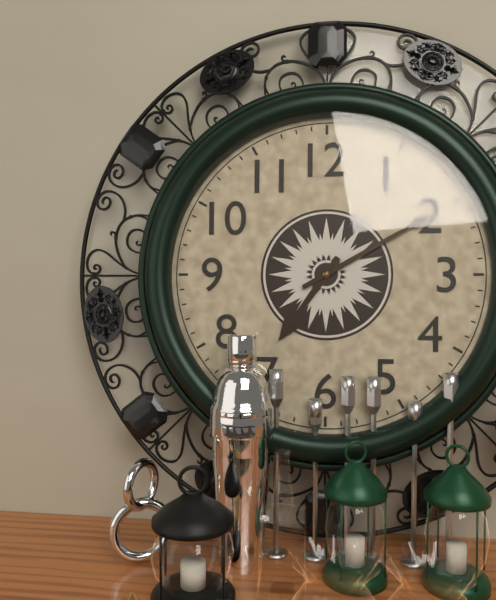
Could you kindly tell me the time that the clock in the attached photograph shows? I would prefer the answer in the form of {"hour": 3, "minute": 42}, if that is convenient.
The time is {"hour": 7, "minute": 10}
